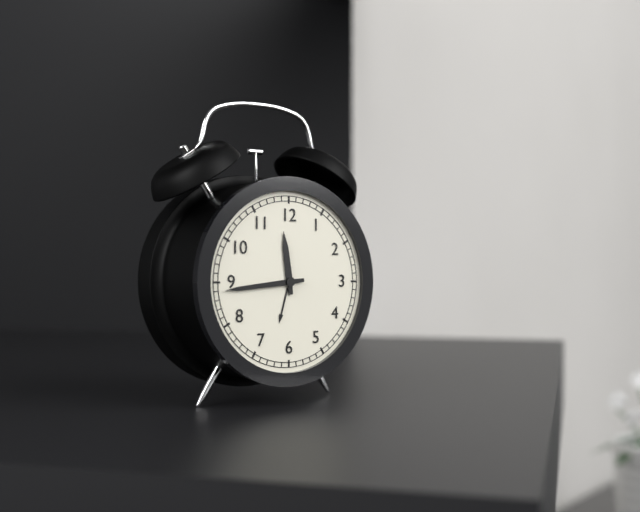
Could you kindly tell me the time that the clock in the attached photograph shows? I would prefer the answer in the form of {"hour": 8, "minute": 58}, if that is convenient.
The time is {"hour": 11, "minute": 44}
